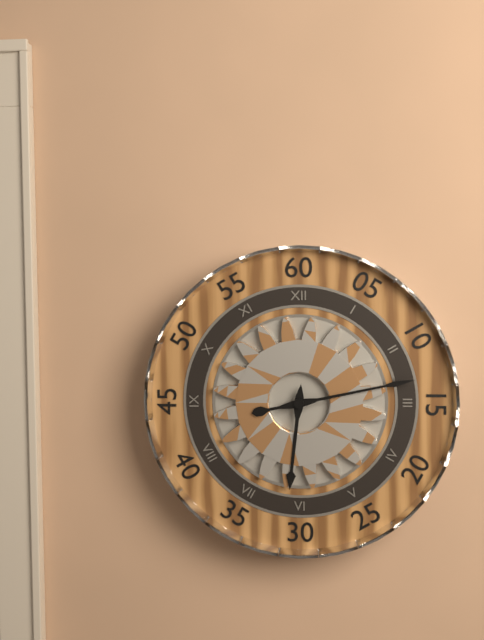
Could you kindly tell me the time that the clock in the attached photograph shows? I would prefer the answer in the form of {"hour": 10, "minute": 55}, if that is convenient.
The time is {"hour": 6, "minute": 13}
